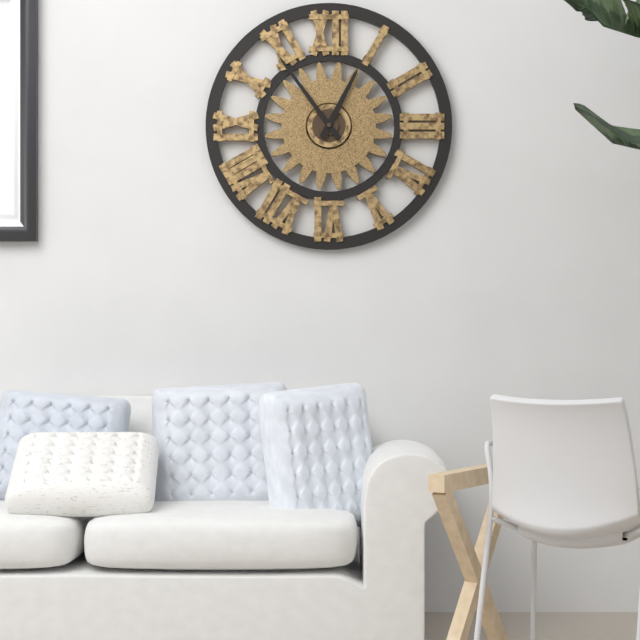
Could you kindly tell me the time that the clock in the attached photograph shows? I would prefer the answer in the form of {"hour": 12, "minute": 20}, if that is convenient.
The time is {"hour": 12, "minute": 54}
